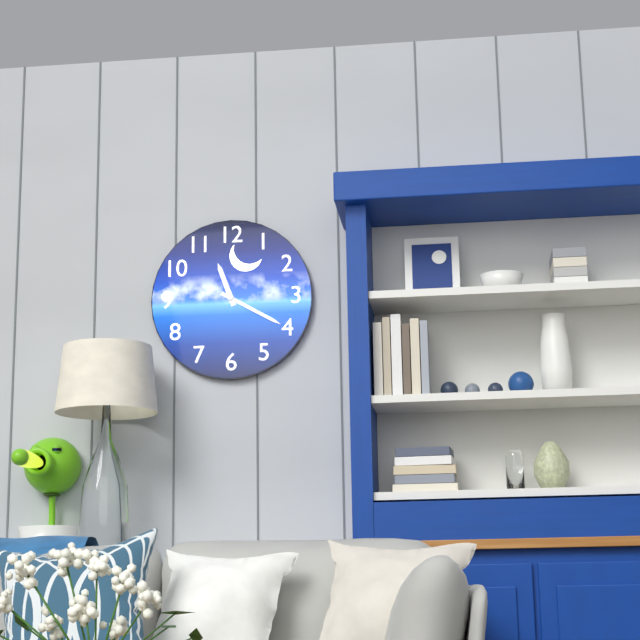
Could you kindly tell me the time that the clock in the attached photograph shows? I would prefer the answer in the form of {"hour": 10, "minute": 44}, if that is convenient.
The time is {"hour": 11, "minute": 20}
